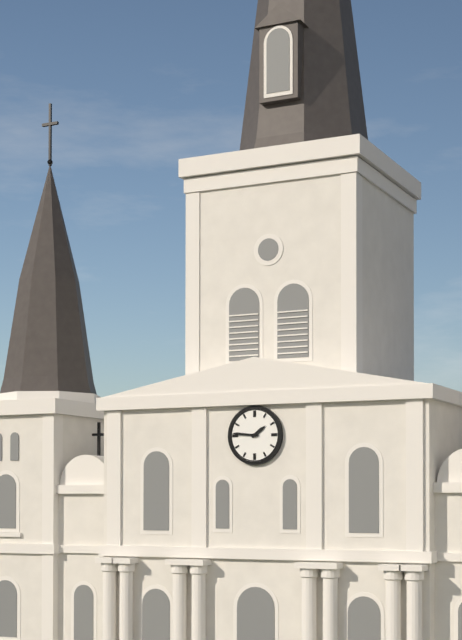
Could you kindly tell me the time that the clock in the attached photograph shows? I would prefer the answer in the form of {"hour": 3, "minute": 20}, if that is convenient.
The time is {"hour": 1, "minute": 46}
